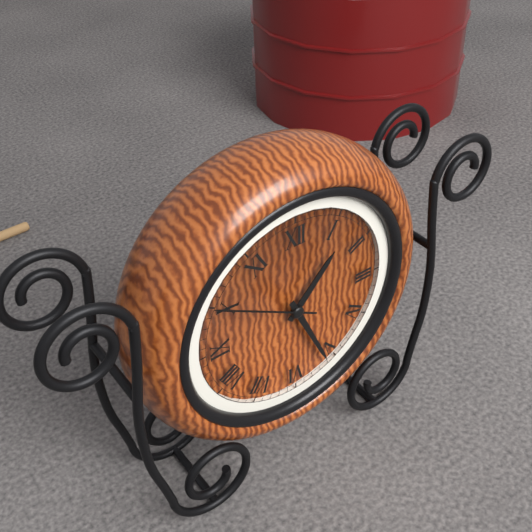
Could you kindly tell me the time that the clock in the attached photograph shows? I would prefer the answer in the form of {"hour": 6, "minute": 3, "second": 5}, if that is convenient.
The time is {"hour": 1, "minute": 26, "second": 50}
